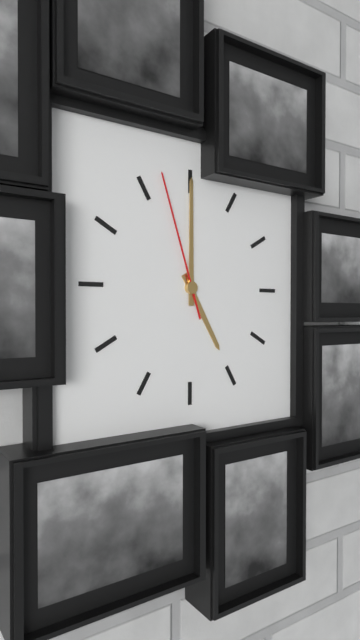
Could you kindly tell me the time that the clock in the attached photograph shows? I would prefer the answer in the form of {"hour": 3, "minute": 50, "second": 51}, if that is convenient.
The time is {"hour": 5, "minute": 0, "second": 57}
